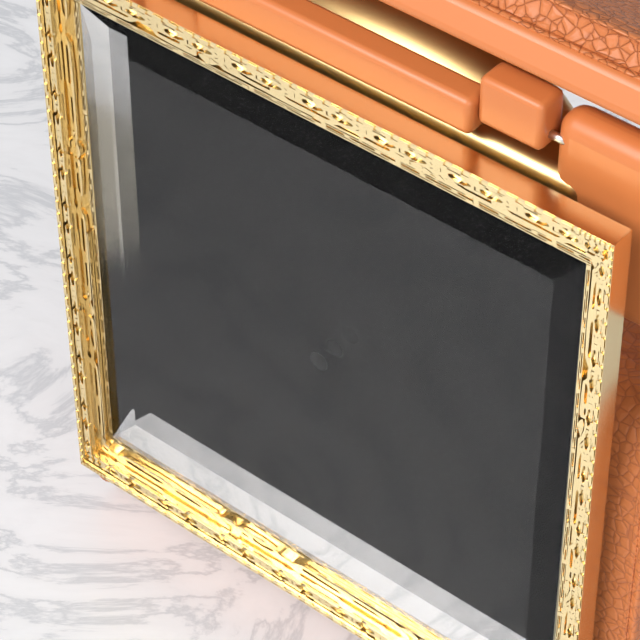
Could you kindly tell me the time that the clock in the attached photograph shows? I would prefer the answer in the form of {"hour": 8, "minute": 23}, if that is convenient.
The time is {"hour": 6, "minute": 40}
